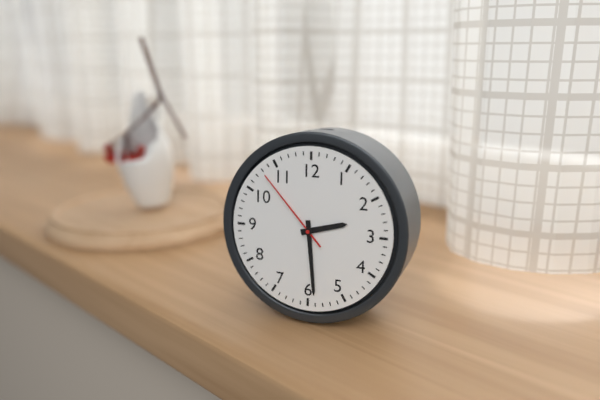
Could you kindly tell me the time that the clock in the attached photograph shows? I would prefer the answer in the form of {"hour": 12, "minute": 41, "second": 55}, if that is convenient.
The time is {"hour": 2, "minute": 29, "second": 53}
